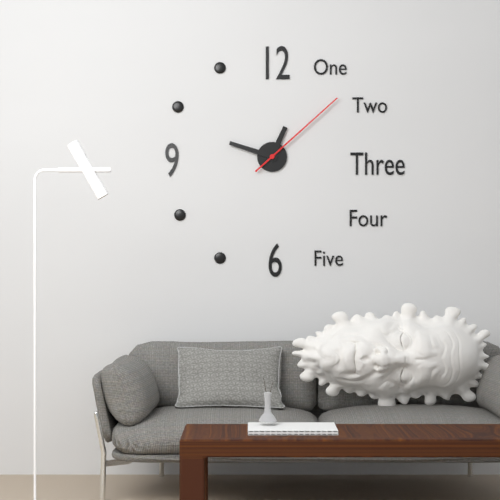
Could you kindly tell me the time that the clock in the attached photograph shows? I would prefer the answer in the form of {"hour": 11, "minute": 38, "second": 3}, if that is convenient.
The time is {"hour": 12, "minute": 48, "second": 8}
